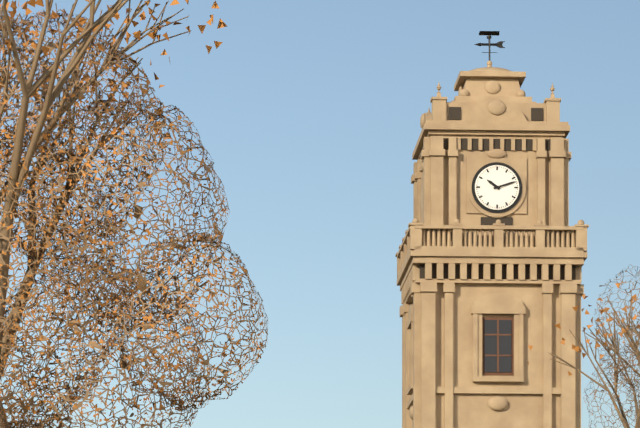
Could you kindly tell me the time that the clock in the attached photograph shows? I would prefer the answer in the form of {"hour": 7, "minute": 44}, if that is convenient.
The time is {"hour": 10, "minute": 12}
